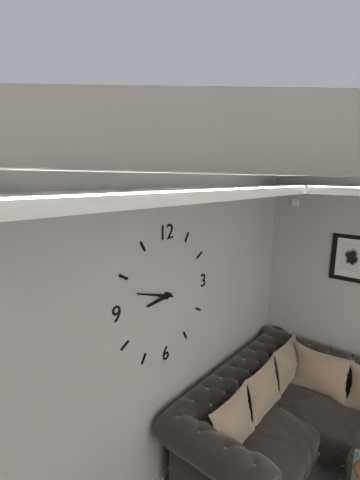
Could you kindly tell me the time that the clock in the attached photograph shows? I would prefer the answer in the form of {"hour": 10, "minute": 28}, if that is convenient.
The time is {"hour": 8, "minute": 48}
